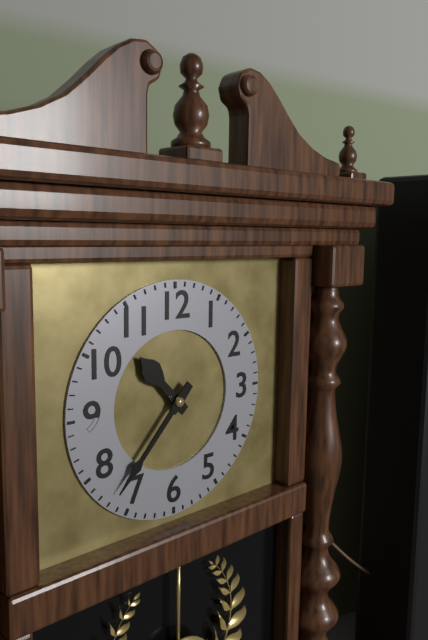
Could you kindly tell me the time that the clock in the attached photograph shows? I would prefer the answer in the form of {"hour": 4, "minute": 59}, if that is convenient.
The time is {"hour": 10, "minute": 37}
